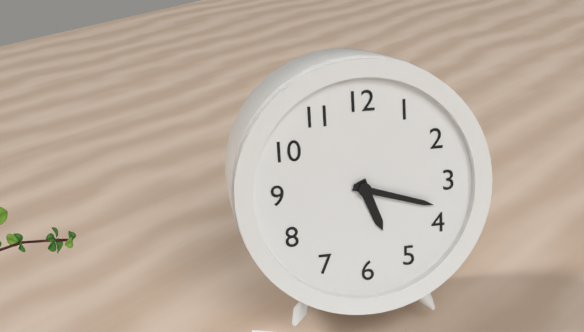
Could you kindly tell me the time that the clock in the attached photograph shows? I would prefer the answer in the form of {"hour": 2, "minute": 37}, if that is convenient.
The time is {"hour": 5, "minute": 18}
